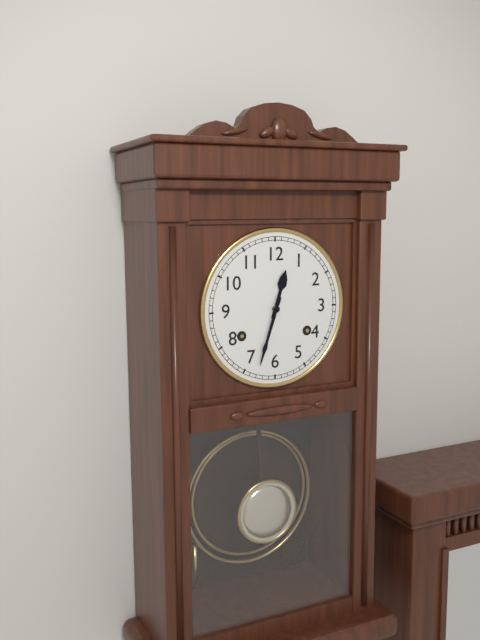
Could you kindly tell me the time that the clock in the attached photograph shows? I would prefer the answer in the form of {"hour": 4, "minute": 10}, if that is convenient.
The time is {"hour": 12, "minute": 33}
